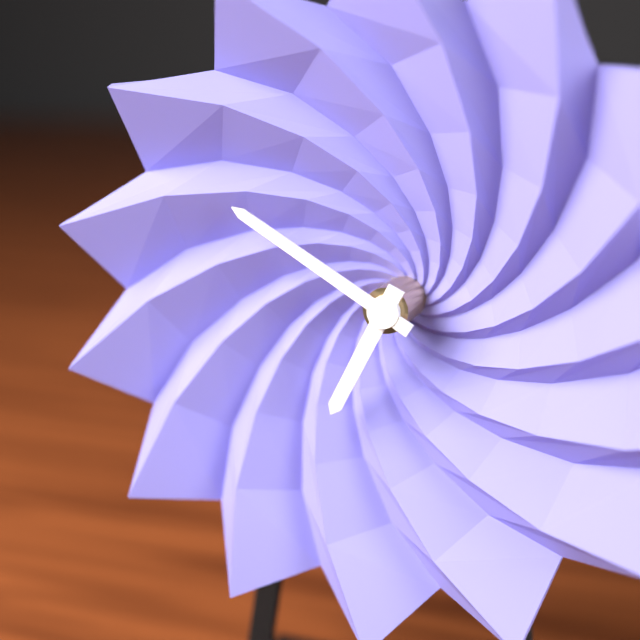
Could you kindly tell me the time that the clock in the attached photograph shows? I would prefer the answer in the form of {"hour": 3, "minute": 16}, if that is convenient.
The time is {"hour": 6, "minute": 50}
